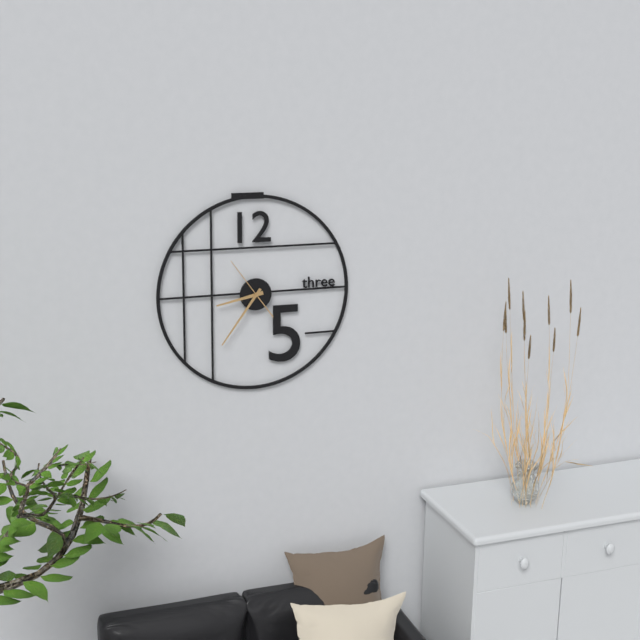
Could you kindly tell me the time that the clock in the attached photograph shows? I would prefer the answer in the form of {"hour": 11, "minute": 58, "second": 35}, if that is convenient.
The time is {"hour": 8, "minute": 36, "second": 54}
